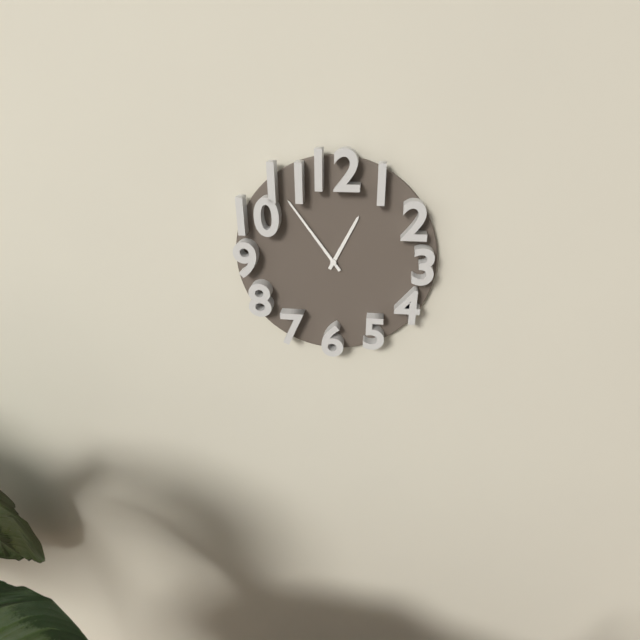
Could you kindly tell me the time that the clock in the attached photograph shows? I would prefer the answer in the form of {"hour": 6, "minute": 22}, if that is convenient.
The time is {"hour": 12, "minute": 54}
